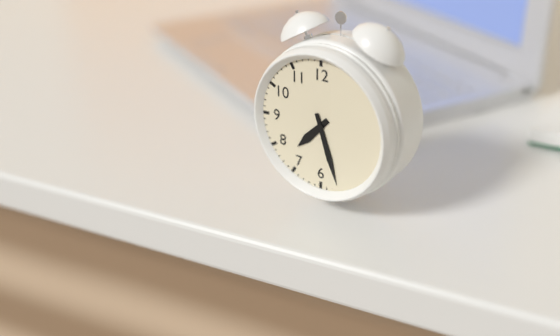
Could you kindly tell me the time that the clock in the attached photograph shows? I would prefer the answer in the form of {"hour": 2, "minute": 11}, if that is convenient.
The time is {"hour": 7, "minute": 27}
